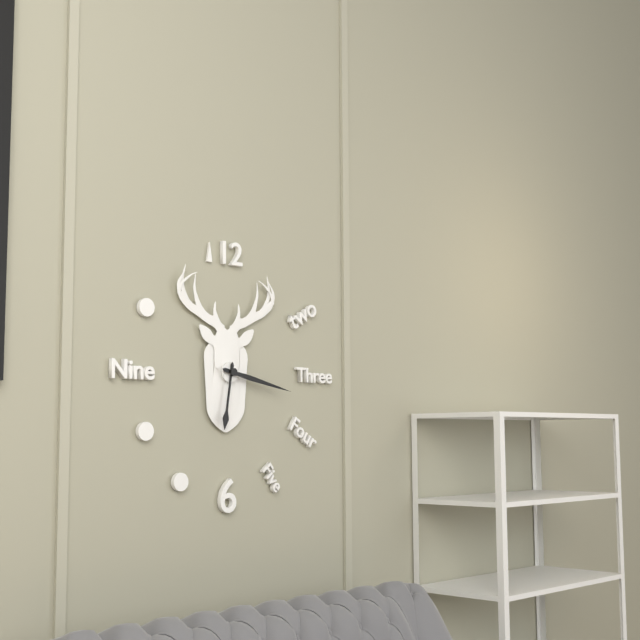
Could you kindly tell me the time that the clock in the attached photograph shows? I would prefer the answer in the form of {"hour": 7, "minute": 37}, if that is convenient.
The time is {"hour": 6, "minute": 17}
